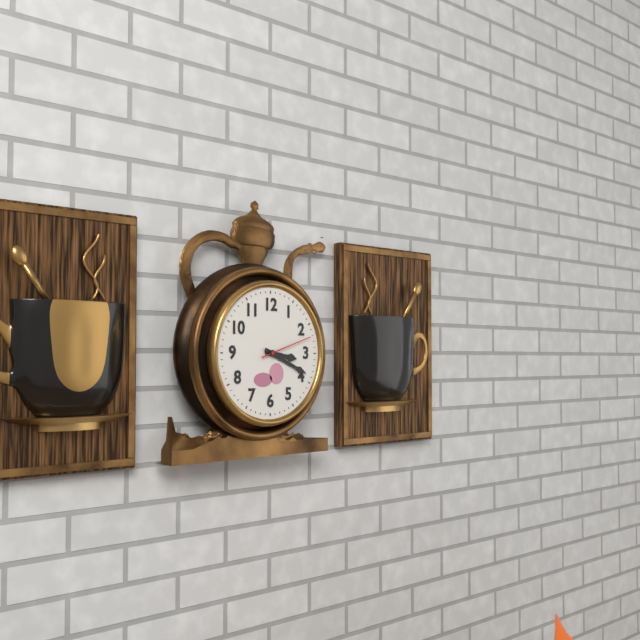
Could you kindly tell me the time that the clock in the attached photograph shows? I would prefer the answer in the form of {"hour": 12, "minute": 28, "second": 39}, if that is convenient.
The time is {"hour": 3, "minute": 19, "second": 12}
